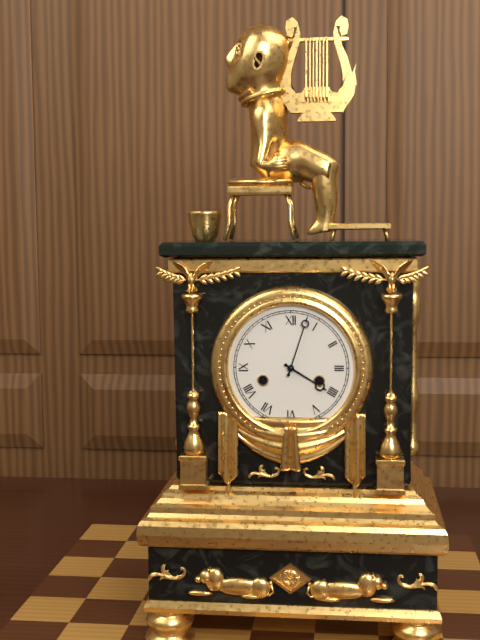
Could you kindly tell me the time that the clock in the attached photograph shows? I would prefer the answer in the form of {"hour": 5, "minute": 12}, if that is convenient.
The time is {"hour": 4, "minute": 3}
